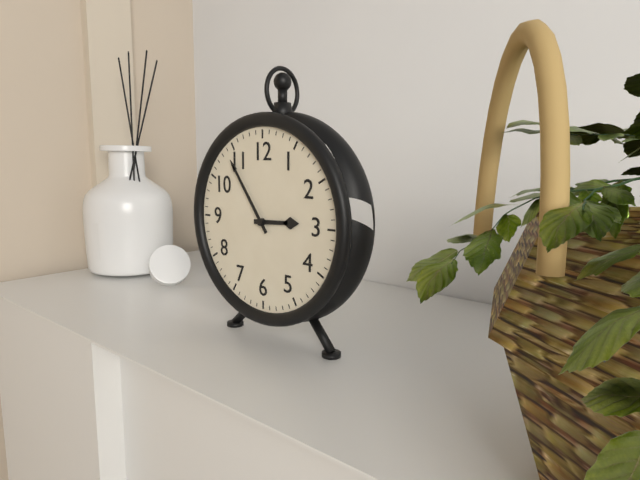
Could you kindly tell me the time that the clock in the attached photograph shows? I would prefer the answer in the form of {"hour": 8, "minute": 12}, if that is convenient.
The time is {"hour": 2, "minute": 54}
